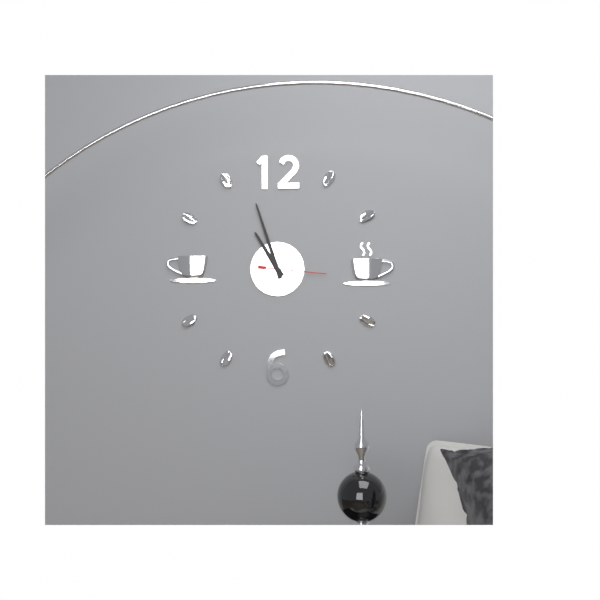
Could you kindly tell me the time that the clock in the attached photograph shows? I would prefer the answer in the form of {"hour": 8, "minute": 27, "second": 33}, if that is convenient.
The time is {"hour": 10, "minute": 57, "second": 16}
